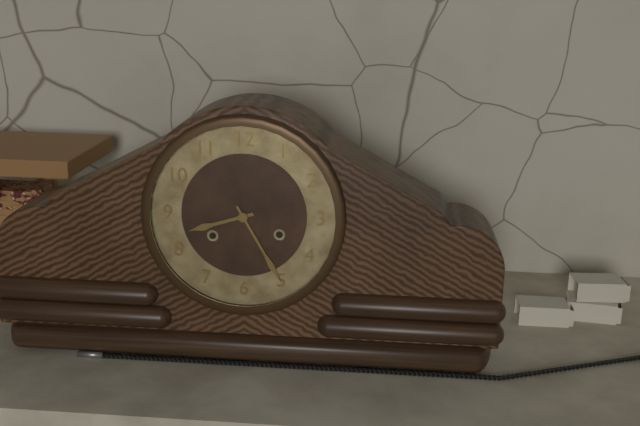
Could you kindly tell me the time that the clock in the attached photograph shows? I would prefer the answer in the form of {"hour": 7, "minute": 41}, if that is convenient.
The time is {"hour": 8, "minute": 25}
